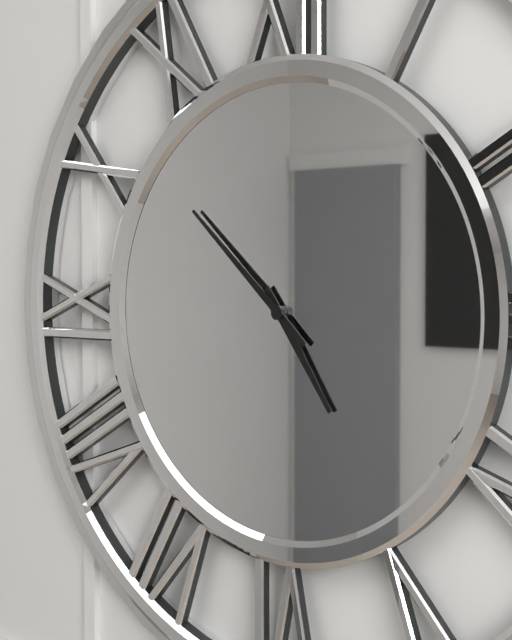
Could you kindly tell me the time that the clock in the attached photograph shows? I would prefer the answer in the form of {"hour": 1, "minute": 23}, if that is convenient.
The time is {"hour": 4, "minute": 52}
